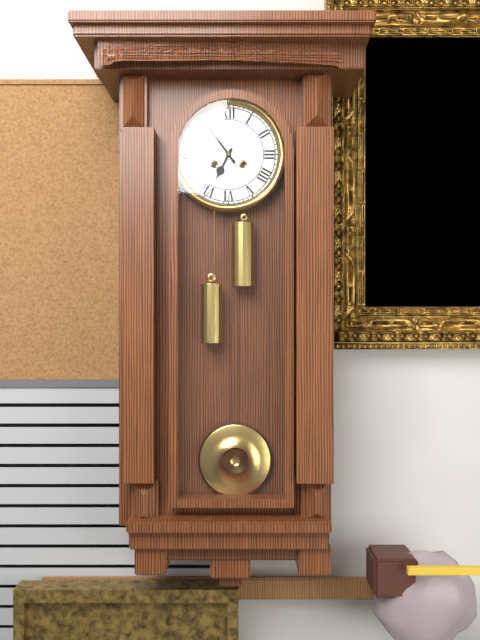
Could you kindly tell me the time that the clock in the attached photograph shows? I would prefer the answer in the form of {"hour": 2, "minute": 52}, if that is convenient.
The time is {"hour": 6, "minute": 54}
